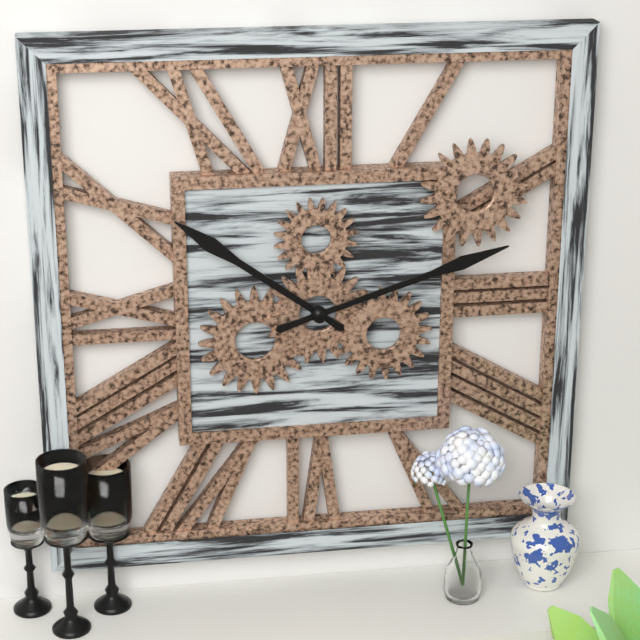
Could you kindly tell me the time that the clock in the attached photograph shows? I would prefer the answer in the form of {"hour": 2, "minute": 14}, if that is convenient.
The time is {"hour": 10, "minute": 12}
